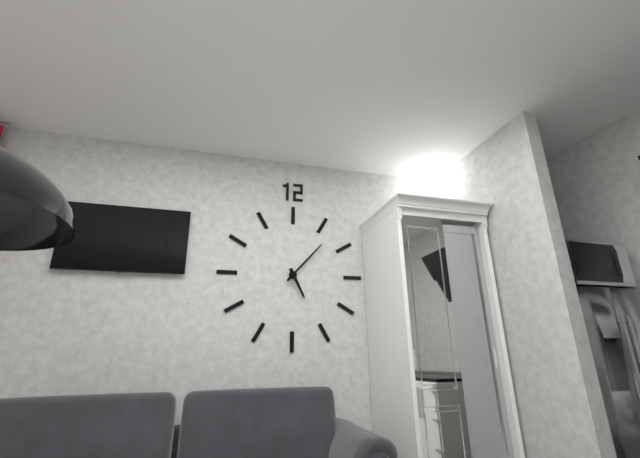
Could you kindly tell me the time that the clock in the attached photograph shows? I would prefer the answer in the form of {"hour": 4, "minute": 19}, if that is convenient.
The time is {"hour": 5, "minute": 7}
